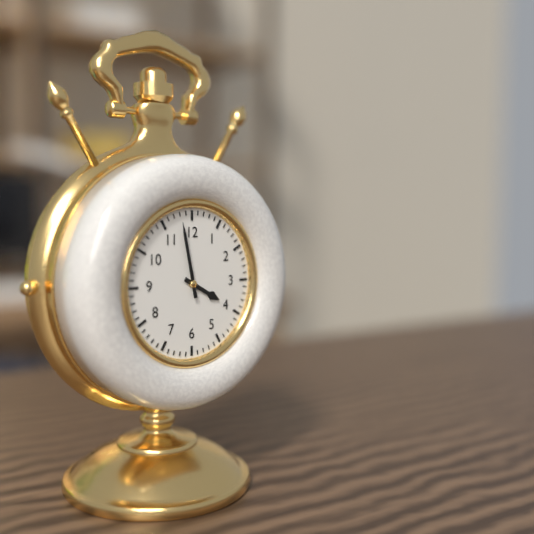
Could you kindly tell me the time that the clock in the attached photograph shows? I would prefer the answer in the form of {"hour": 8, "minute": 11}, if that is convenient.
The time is {"hour": 3, "minute": 58}
